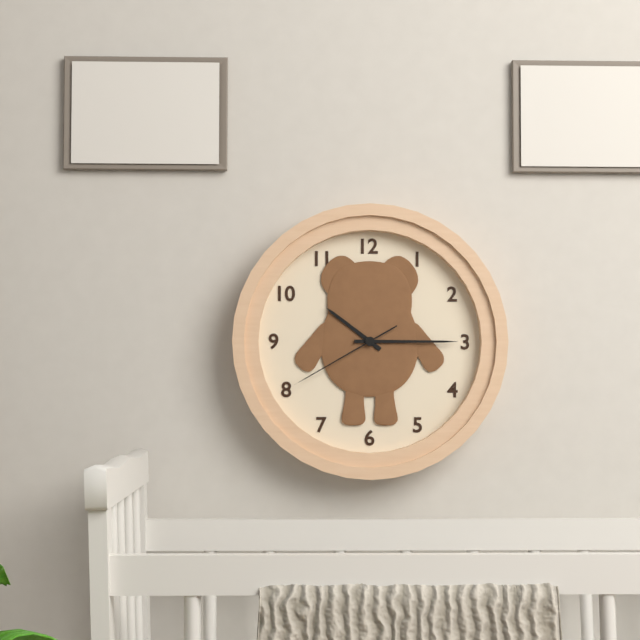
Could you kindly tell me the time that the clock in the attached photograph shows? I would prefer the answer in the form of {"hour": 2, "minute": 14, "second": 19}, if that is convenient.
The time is {"hour": 10, "minute": 15, "second": 40}
